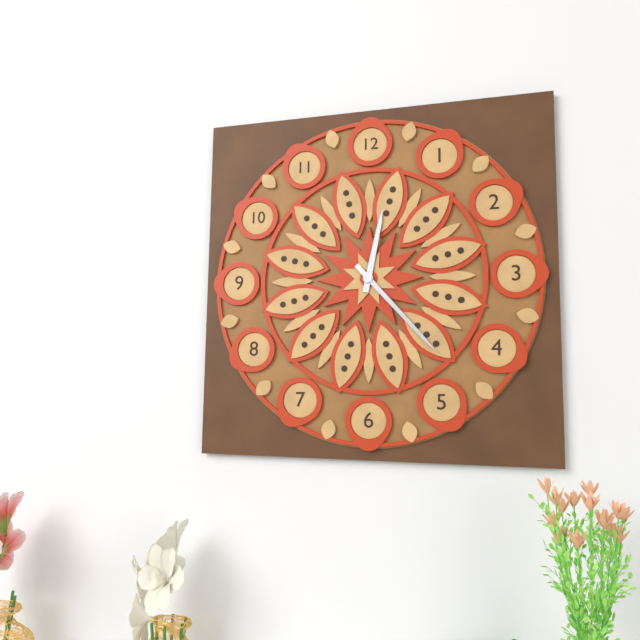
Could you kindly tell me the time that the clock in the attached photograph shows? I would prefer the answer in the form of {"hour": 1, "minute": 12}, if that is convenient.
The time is {"hour": 12, "minute": 23}
